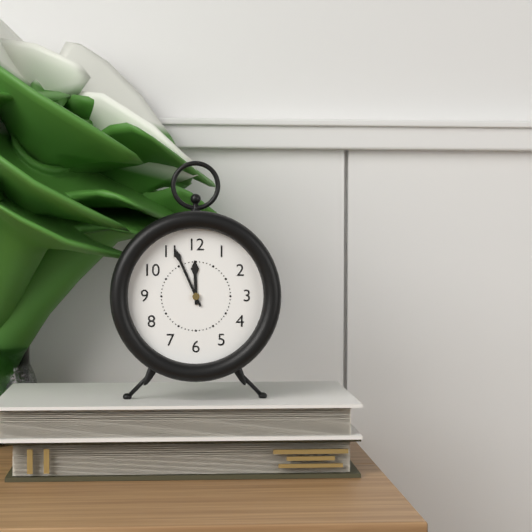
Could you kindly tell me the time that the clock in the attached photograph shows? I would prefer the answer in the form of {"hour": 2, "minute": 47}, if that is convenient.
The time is {"hour": 11, "minute": 56}
